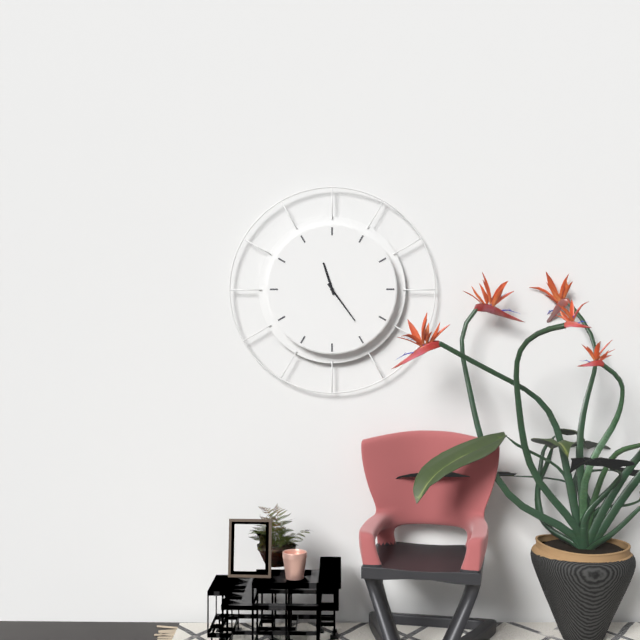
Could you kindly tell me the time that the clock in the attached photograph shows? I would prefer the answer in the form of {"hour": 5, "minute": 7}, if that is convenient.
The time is {"hour": 11, "minute": 24}
